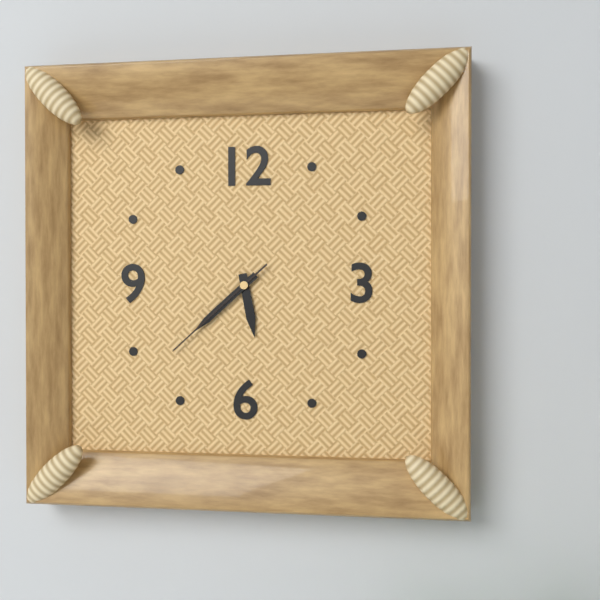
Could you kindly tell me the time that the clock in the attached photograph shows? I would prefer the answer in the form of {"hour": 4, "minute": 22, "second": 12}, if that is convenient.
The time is {"hour": 5, "minute": 38, "second": 38}
